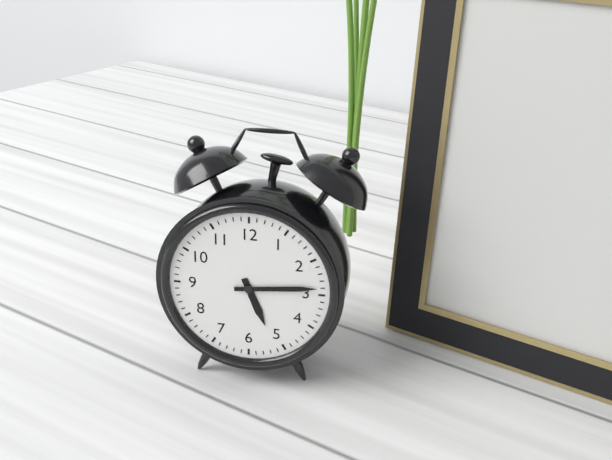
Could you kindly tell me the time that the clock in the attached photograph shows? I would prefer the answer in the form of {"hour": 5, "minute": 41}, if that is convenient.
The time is {"hour": 5, "minute": 14}
